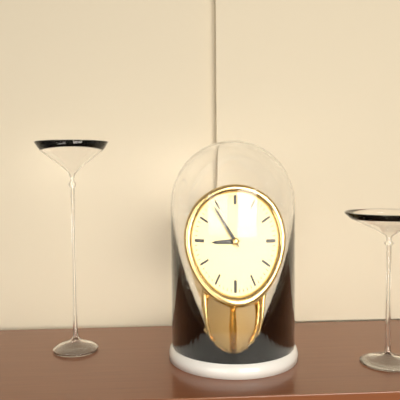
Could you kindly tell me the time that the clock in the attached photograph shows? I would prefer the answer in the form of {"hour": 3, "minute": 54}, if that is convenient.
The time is {"hour": 8, "minute": 54}
